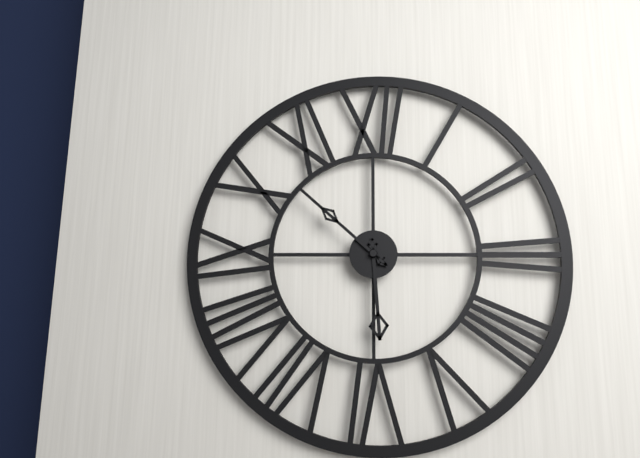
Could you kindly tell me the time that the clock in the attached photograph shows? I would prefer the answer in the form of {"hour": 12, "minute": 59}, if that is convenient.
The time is {"hour": 5, "minute": 52}
